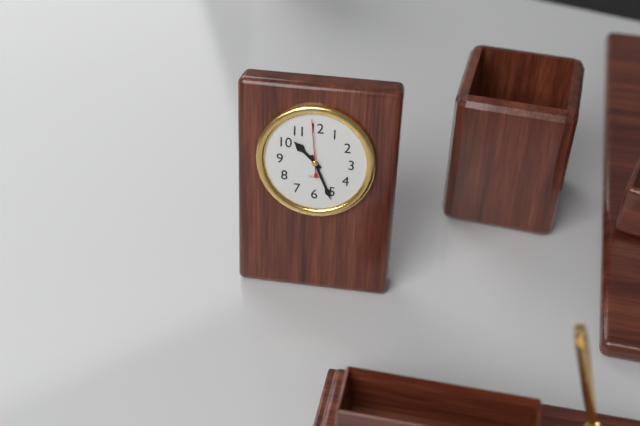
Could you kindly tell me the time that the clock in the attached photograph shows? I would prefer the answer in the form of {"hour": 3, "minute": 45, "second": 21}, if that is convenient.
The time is {"hour": 10, "minute": 26, "second": 59}
